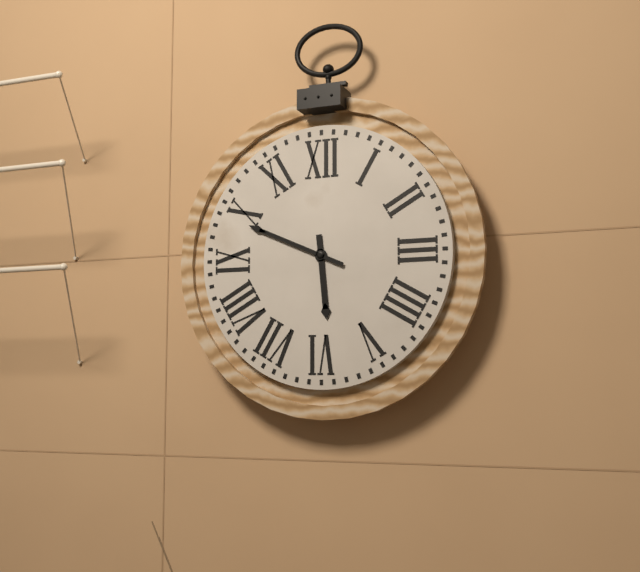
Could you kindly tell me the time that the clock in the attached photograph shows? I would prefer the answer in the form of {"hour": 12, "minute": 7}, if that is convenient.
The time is {"hour": 5, "minute": 49}
